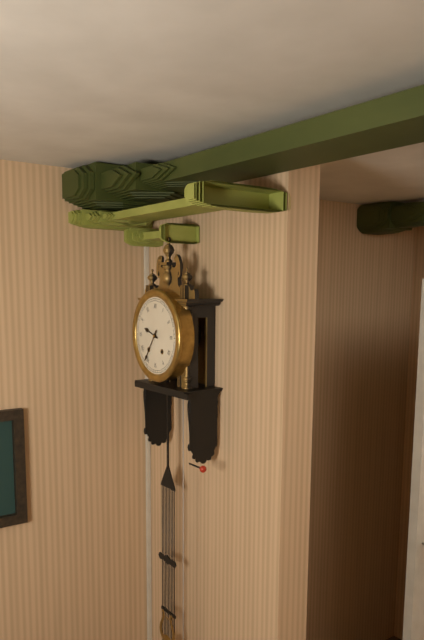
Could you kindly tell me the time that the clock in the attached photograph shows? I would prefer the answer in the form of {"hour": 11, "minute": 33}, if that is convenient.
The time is {"hour": 9, "minute": 36}
